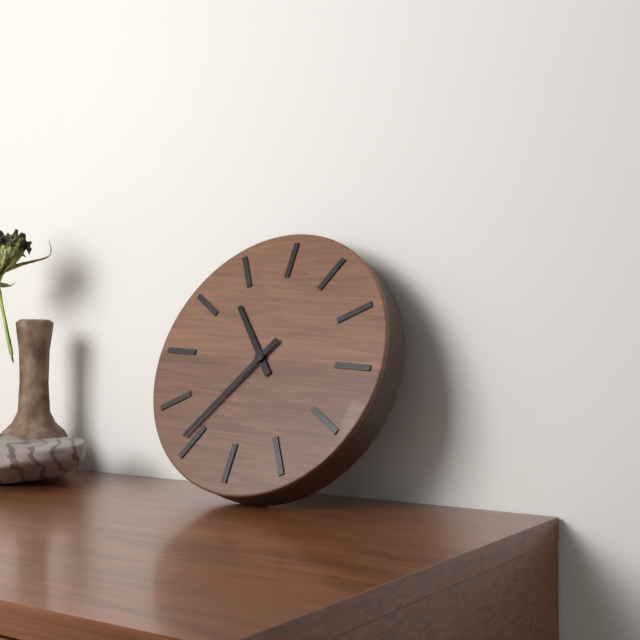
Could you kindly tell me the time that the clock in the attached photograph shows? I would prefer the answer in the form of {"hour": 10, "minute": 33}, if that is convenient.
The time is {"hour": 10, "minute": 36}
